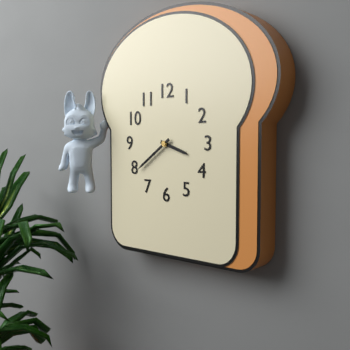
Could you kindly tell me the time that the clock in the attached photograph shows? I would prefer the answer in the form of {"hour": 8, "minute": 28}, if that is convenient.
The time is {"hour": 3, "minute": 39}
